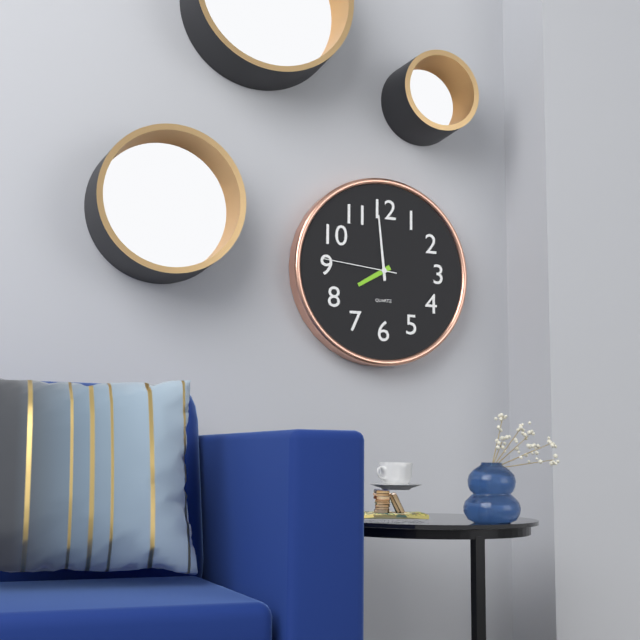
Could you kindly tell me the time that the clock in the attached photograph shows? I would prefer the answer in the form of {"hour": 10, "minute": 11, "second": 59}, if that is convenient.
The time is {"hour": 7, "minute": 59, "second": 46}
